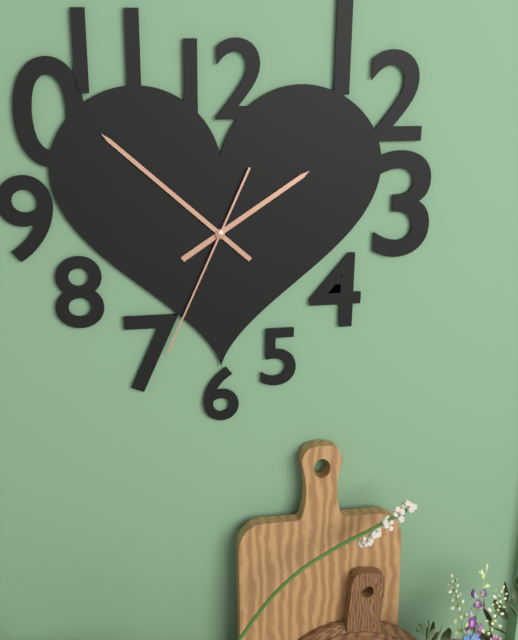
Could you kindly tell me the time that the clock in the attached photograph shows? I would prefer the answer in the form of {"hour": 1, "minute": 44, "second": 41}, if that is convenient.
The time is {"hour": 1, "minute": 52, "second": 34}
